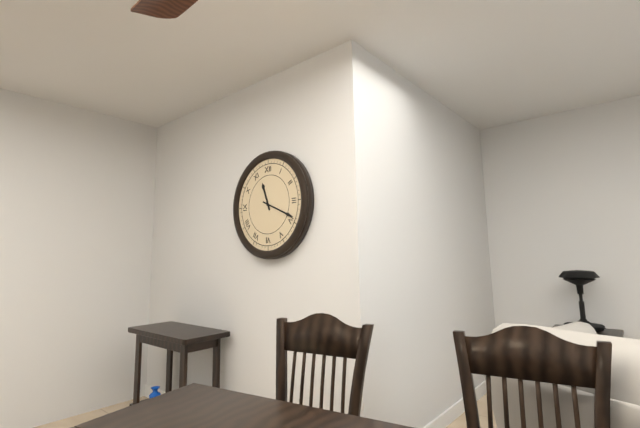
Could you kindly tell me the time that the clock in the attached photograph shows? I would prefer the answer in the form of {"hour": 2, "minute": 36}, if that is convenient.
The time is {"hour": 11, "minute": 19}
